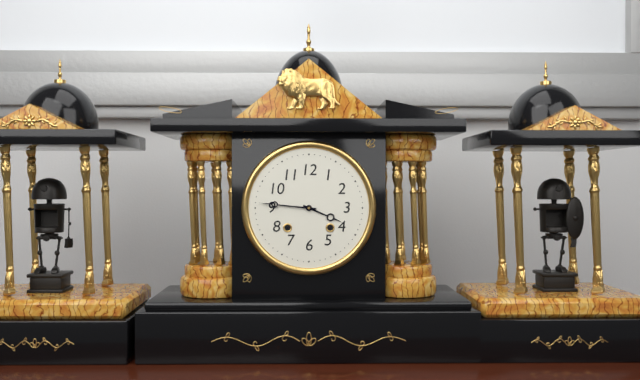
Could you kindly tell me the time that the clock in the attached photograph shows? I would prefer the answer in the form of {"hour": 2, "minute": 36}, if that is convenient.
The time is {"hour": 3, "minute": 46}
